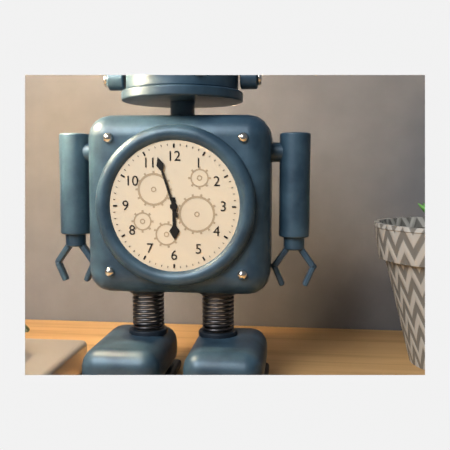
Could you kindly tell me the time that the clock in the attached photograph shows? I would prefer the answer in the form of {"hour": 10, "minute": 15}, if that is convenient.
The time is {"hour": 5, "minute": 57}
